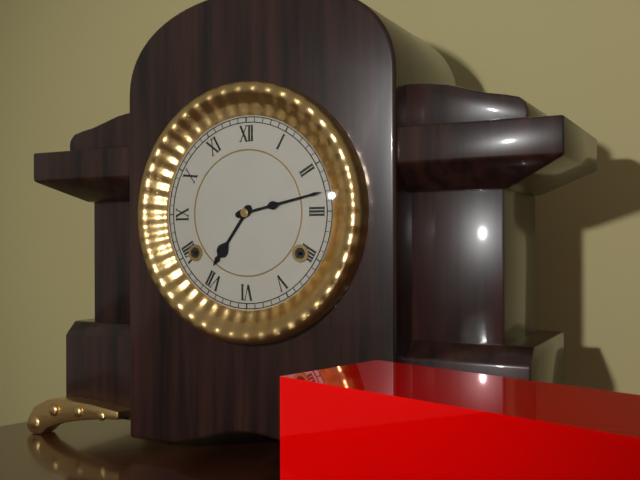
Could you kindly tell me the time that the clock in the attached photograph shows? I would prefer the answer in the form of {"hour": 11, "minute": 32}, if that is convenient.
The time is {"hour": 7, "minute": 13}
